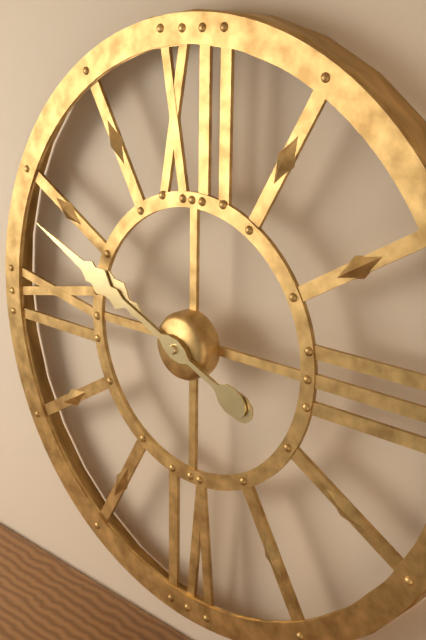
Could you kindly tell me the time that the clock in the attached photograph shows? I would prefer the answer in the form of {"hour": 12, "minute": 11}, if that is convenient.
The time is {"hour": 9, "minute": 49}
